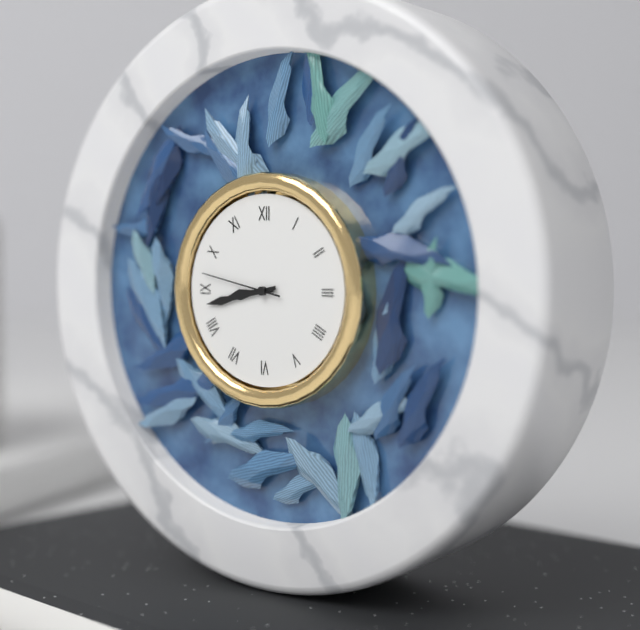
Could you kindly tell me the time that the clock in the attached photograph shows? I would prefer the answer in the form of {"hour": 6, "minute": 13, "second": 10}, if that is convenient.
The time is {"hour": 8, "minute": 43, "second": 47}
